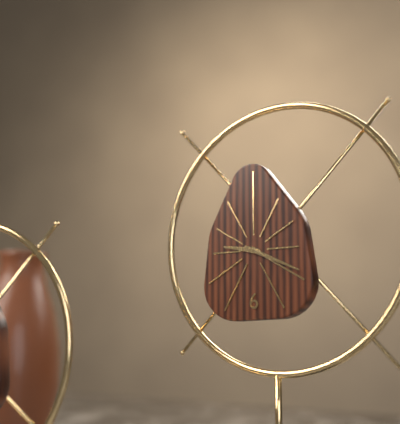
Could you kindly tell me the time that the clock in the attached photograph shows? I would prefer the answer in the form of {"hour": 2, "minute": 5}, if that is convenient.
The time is {"hour": 9, "minute": 19}
